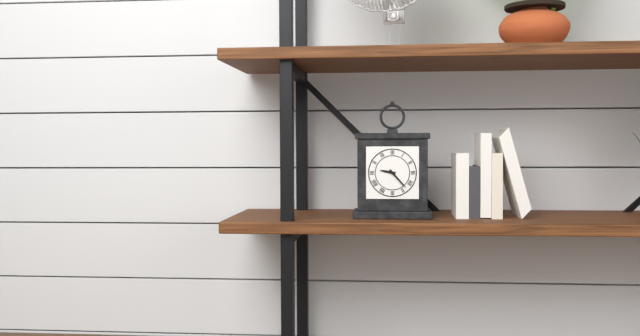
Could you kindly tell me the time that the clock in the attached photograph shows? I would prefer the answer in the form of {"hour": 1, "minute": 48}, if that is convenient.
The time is {"hour": 9, "minute": 23}
